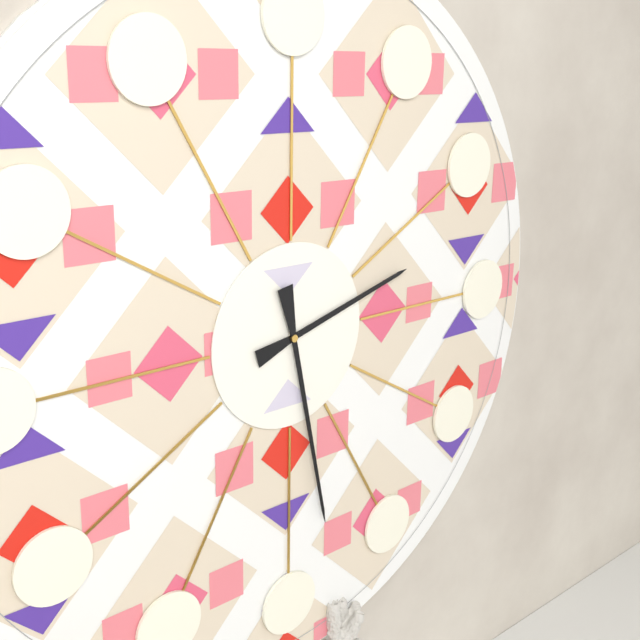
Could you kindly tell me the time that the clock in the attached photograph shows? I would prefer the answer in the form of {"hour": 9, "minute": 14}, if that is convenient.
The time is {"hour": 2, "minute": 28}
